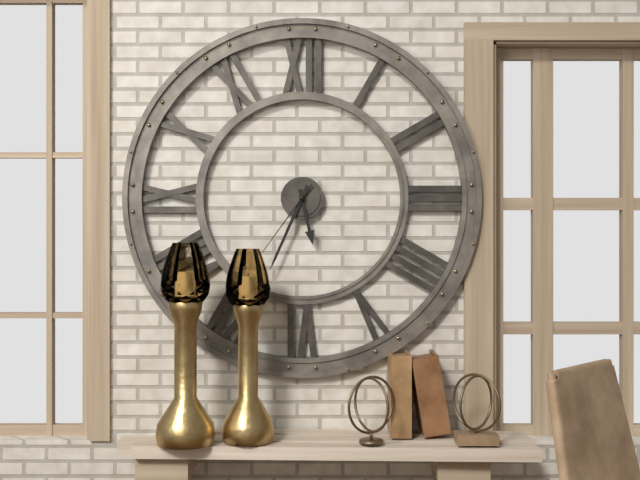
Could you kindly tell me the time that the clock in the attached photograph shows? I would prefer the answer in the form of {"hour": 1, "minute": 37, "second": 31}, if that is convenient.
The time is {"hour": 5, "minute": 34, "second": 36}
